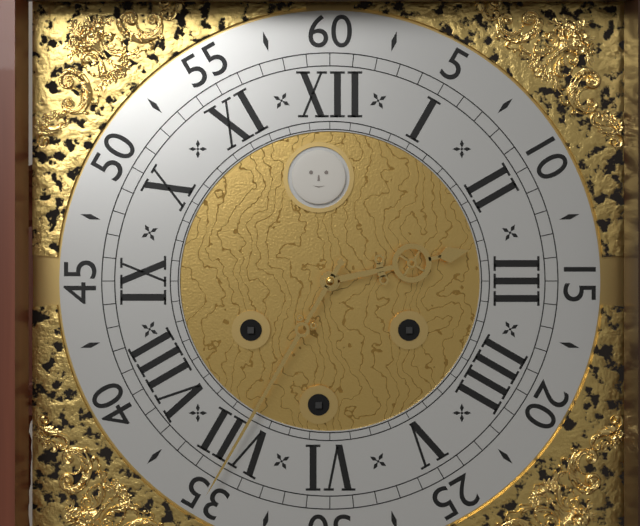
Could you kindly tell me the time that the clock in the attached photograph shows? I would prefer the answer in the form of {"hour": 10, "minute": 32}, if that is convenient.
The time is {"hour": 2, "minute": 35}
